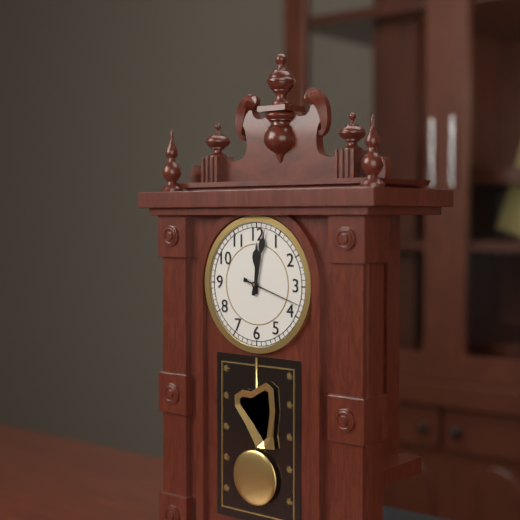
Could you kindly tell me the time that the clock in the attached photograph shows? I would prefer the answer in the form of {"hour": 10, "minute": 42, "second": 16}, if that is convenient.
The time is {"hour": 12, "minute": 2, "second": 18}
